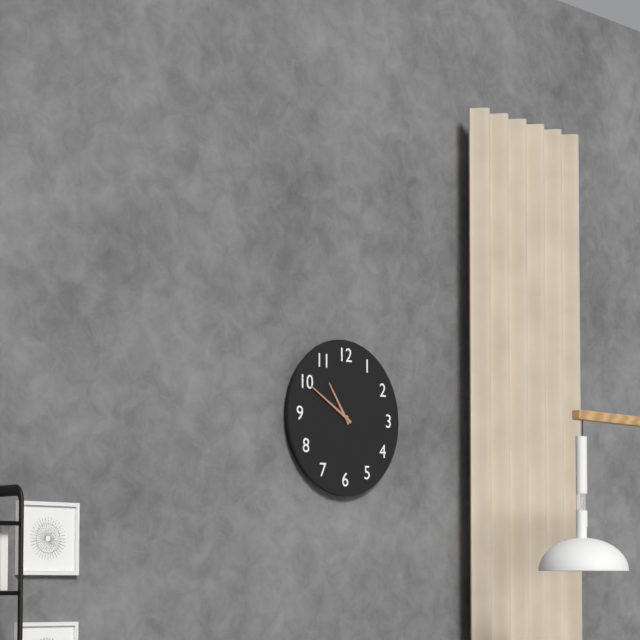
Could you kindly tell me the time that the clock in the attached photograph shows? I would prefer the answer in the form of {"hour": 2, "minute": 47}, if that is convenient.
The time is {"hour": 10, "minute": 50}
